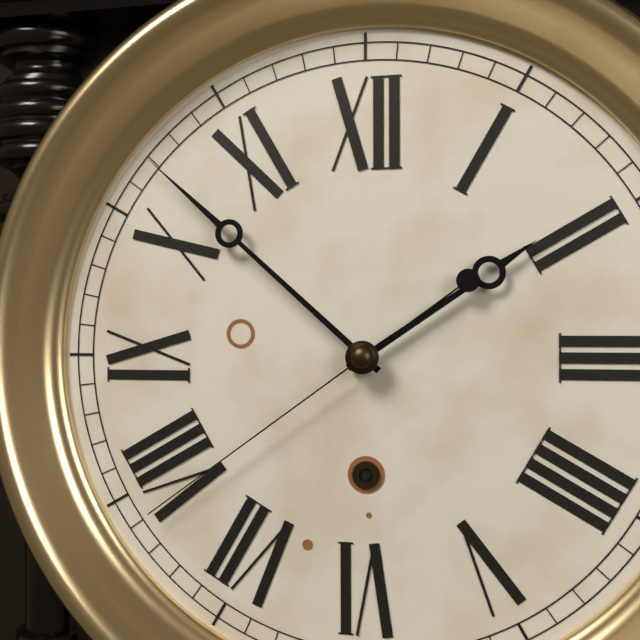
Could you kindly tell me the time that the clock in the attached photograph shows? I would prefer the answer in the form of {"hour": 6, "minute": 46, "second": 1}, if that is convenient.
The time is {"hour": 1, "minute": 52, "second": 39}
